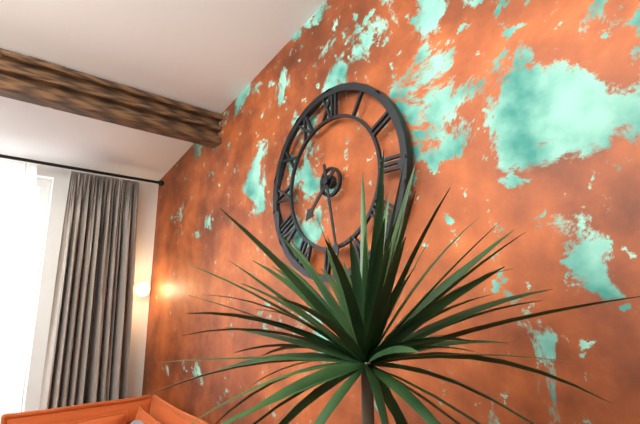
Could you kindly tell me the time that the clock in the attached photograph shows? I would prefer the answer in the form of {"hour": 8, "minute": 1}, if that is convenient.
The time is {"hour": 7, "minute": 28}
